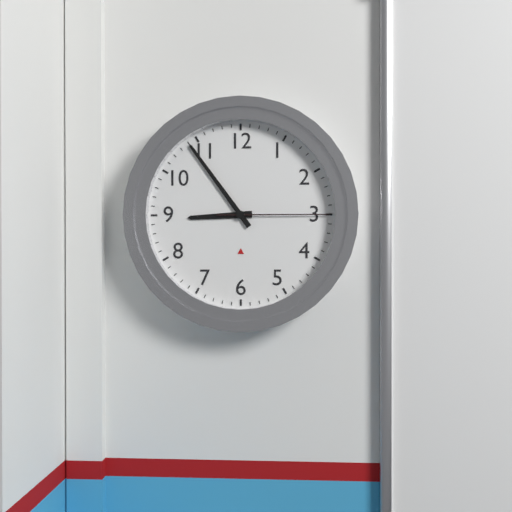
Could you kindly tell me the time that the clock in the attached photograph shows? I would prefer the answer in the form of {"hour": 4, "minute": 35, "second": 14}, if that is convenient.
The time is {"hour": 8, "minute": 54, "second": 15}
